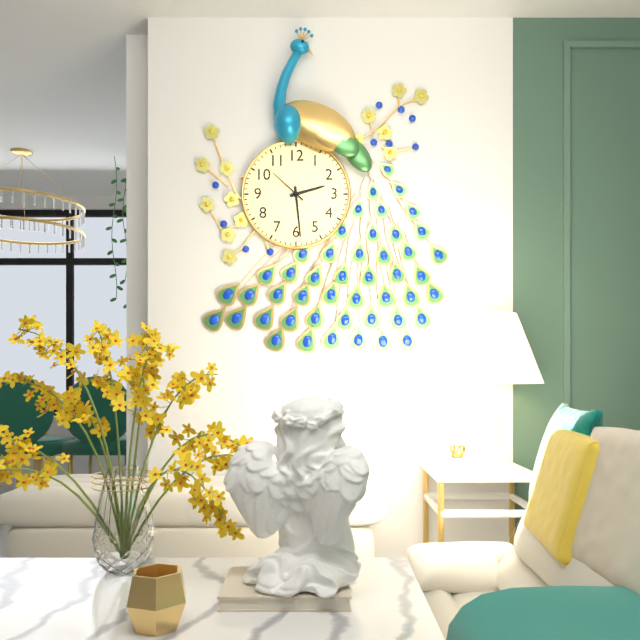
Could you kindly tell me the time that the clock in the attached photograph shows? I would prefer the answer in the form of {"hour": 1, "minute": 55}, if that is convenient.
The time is {"hour": 2, "minute": 29}
